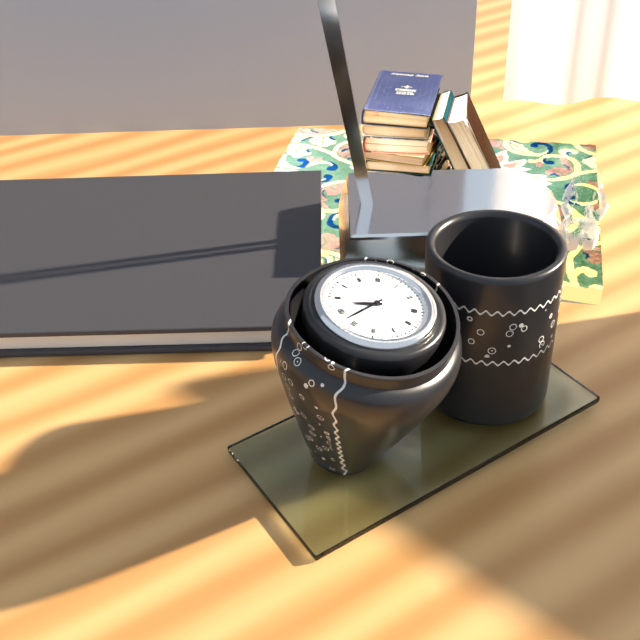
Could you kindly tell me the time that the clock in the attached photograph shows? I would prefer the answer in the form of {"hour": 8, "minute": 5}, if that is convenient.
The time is {"hour": 8, "minute": 37}
